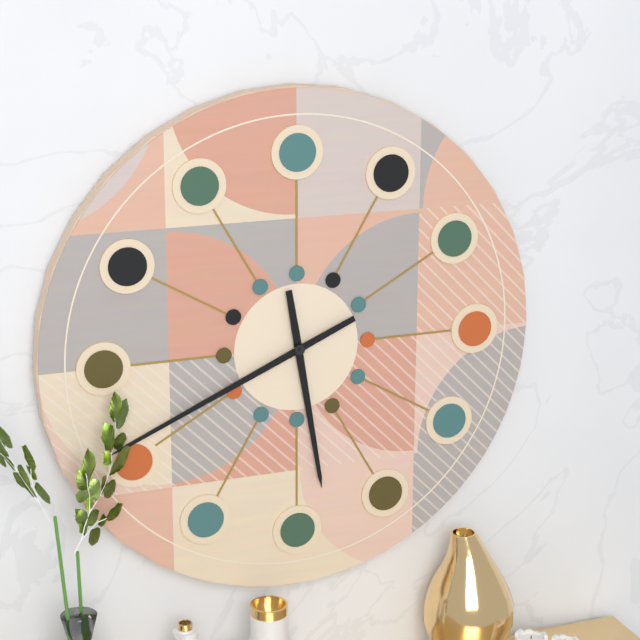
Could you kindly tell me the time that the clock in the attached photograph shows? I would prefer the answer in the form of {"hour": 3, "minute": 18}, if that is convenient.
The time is {"hour": 5, "minute": 41}
